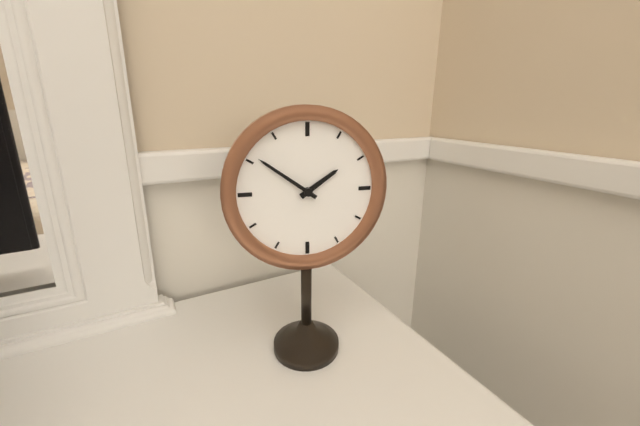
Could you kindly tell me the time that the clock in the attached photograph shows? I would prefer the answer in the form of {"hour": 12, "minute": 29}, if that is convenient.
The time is {"hour": 1, "minute": 51}
